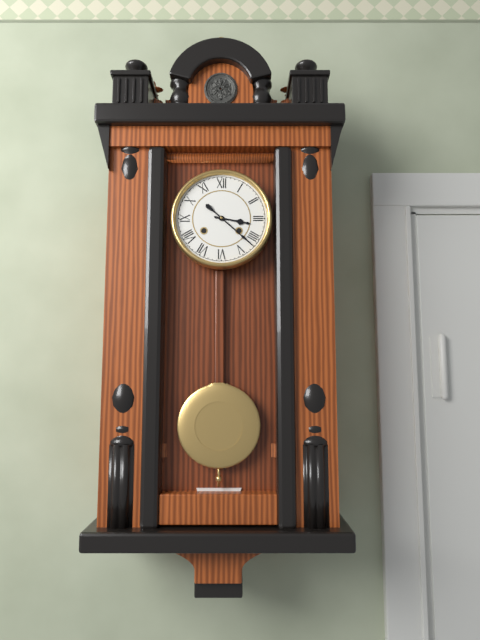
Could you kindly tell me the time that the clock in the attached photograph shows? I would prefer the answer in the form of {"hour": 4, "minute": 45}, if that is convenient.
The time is {"hour": 3, "minute": 22}
